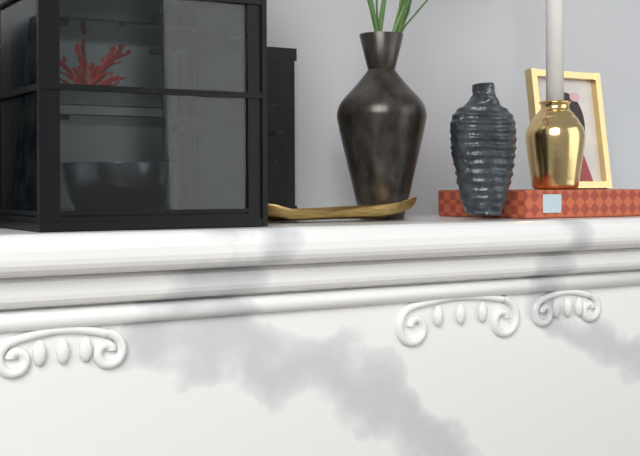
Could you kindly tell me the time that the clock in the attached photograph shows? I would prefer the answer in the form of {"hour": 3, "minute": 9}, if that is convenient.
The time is {"hour": 3, "minute": 1}
